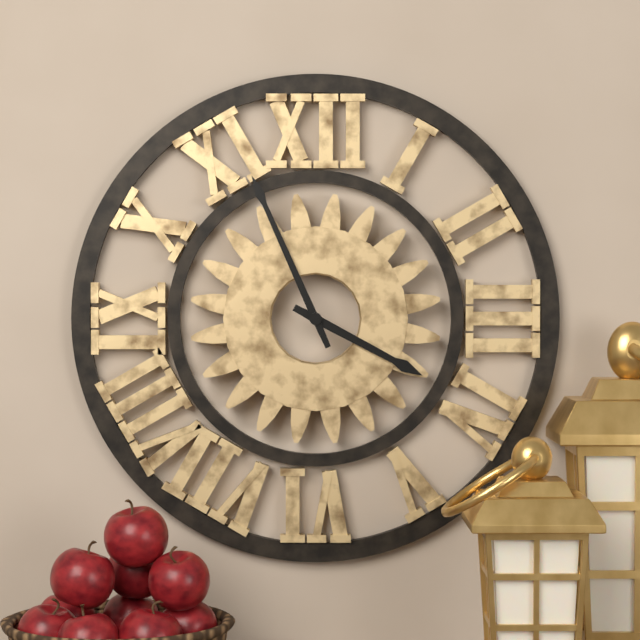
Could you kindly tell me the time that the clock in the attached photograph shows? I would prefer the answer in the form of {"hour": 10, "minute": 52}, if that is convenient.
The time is {"hour": 3, "minute": 56}
